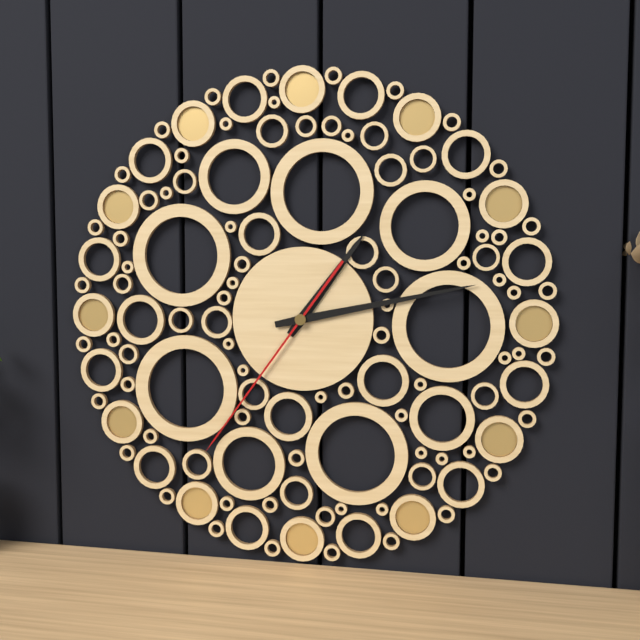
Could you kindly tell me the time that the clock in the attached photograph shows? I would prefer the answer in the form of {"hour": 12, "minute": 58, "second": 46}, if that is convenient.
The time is {"hour": 1, "minute": 13, "second": 36}
